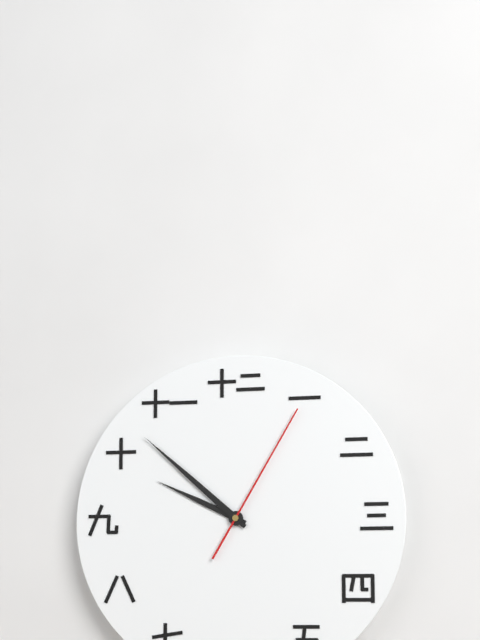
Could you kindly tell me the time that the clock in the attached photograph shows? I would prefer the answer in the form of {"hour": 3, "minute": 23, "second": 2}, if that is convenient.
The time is {"hour": 9, "minute": 52, "second": 5}
